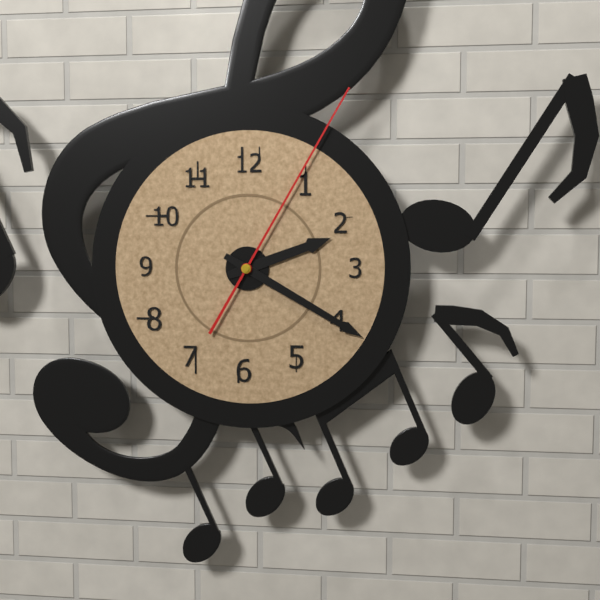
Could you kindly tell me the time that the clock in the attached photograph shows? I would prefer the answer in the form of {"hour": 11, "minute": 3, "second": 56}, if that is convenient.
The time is {"hour": 2, "minute": 20, "second": 5}
